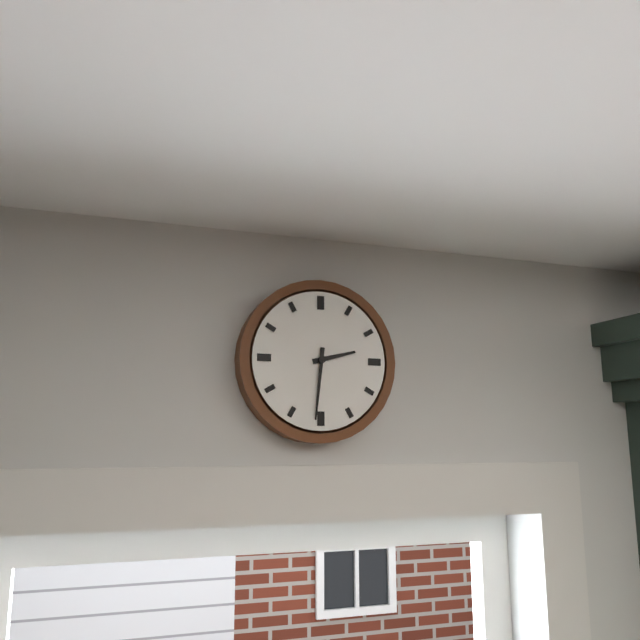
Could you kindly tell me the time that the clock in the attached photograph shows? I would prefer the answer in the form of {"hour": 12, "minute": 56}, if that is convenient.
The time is {"hour": 2, "minute": 31}
